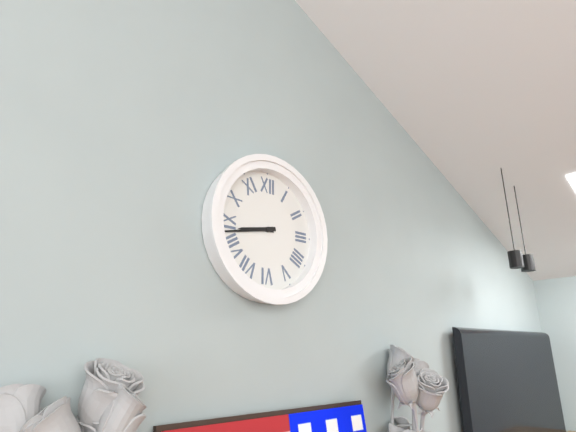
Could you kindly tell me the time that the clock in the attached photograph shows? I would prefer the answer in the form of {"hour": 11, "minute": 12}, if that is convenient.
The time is {"hour": 8, "minute": 43}
